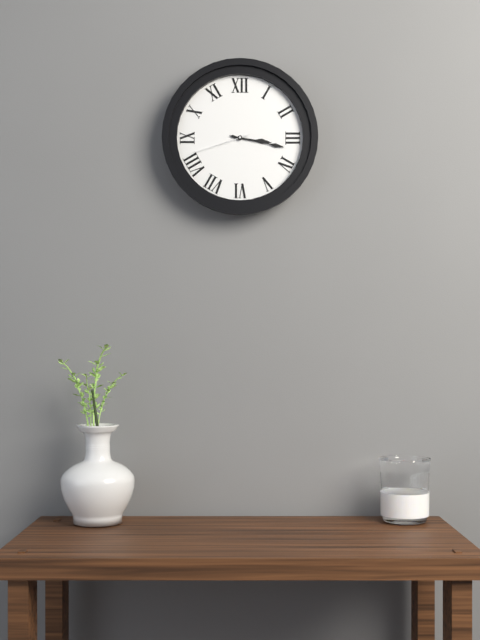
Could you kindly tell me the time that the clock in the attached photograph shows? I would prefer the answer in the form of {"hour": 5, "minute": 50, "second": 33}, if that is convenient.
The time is {"hour": 3, "minute": 17, "second": 42}
